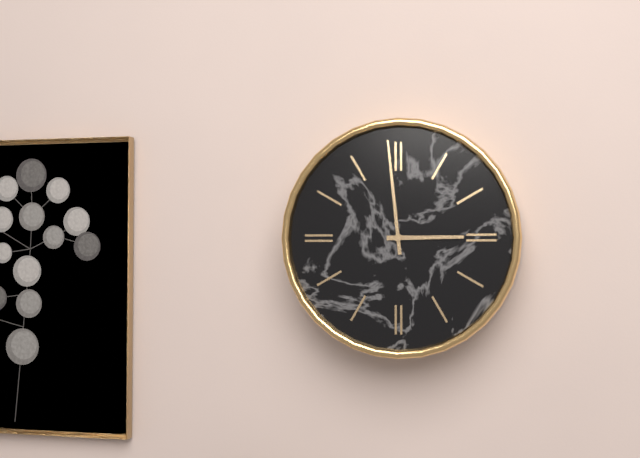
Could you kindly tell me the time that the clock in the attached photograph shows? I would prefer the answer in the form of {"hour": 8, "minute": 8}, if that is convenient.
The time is {"hour": 2, "minute": 59}
